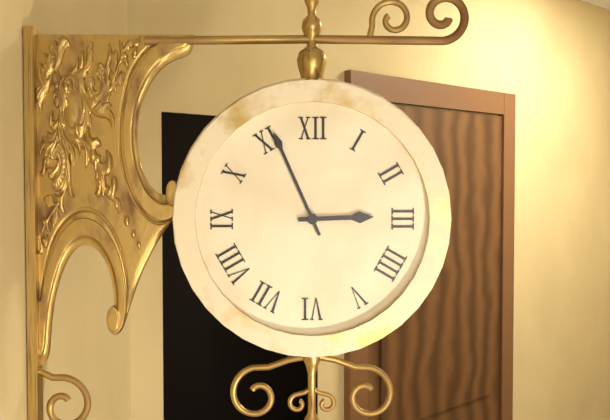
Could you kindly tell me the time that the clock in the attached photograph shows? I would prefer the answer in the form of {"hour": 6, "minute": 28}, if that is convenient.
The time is {"hour": 2, "minute": 56}
